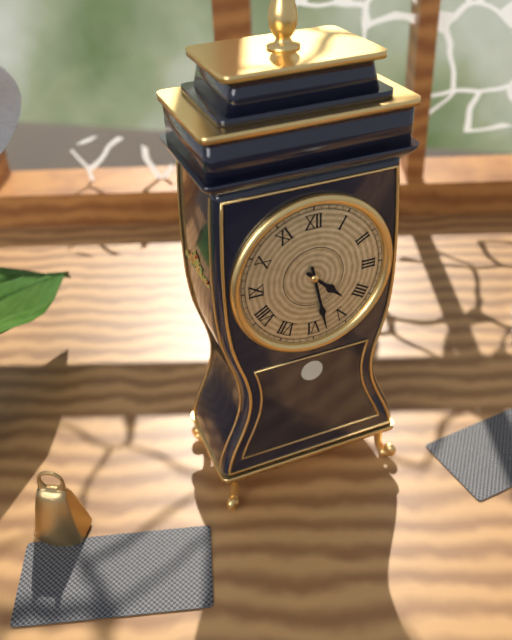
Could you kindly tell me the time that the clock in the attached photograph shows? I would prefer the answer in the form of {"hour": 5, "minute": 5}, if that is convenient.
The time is {"hour": 4, "minute": 28}
